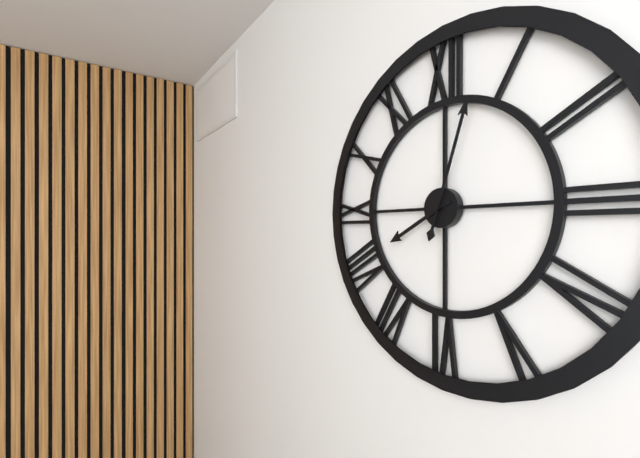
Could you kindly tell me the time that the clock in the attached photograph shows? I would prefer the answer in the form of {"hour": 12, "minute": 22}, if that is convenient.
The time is {"hour": 8, "minute": 3}
